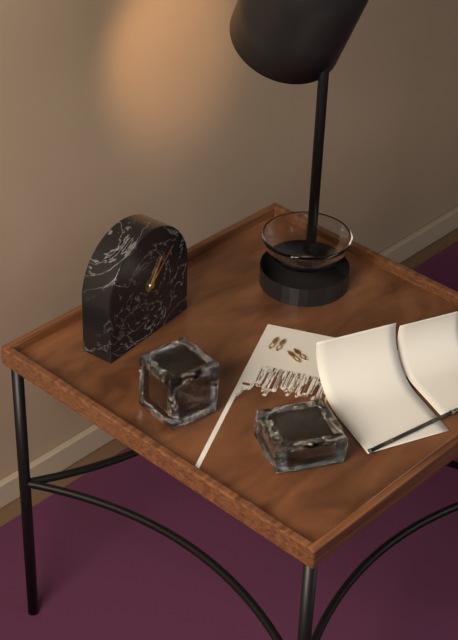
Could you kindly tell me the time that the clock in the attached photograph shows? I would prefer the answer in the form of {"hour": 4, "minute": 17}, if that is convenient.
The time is {"hour": 1, "minute": 8}
